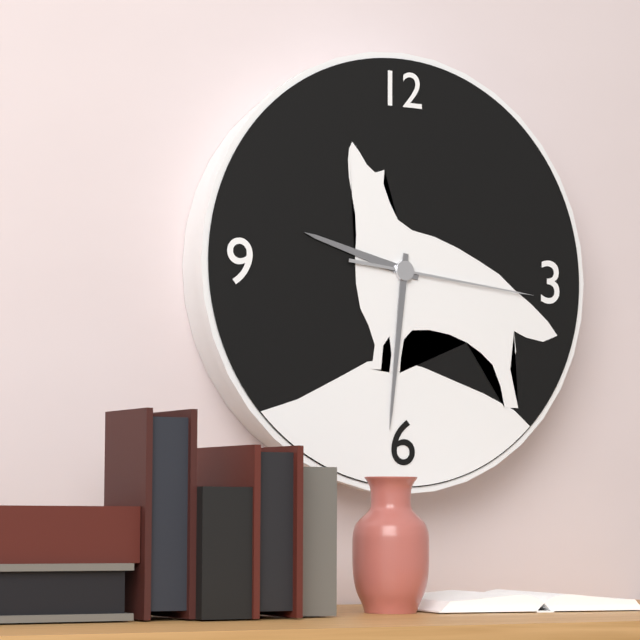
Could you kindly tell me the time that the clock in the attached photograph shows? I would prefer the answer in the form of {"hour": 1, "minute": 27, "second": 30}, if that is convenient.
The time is {"hour": 9, "minute": 31, "second": 16}
